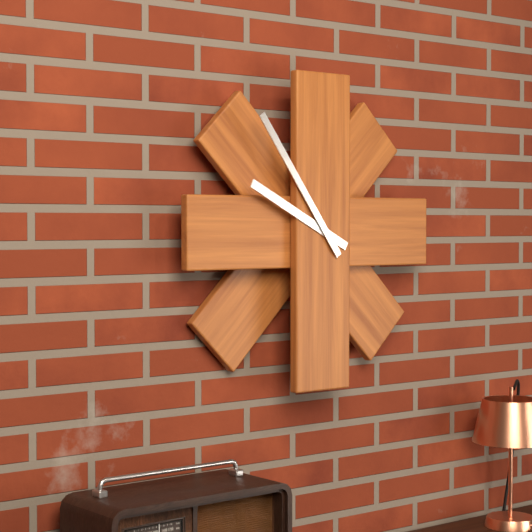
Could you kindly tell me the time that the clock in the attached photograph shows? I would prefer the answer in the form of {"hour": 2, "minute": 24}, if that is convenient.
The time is {"hour": 9, "minute": 54}
